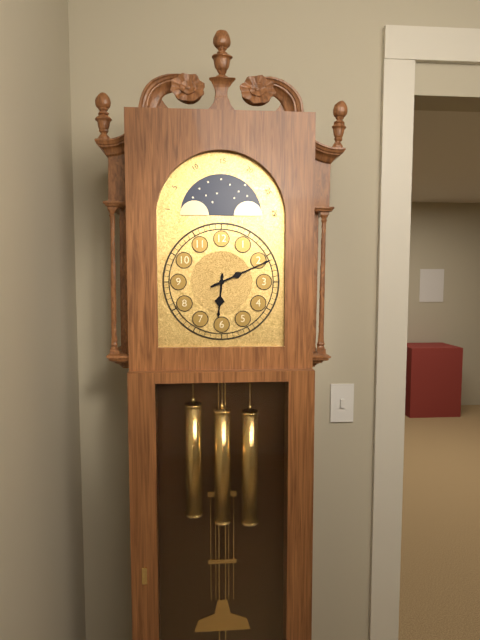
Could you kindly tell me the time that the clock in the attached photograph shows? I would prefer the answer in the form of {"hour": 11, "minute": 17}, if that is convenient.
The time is {"hour": 6, "minute": 11}
